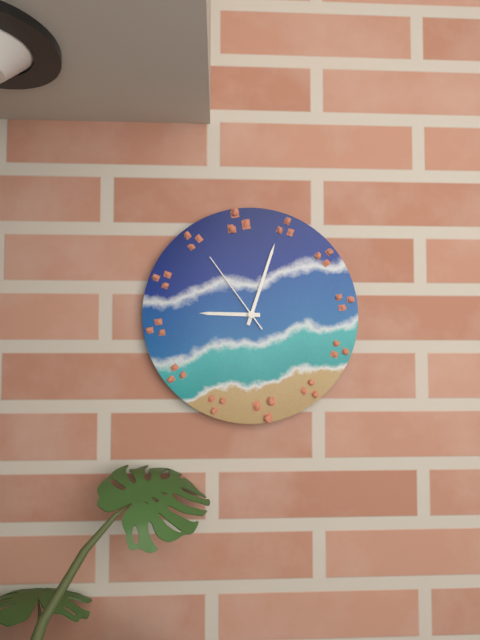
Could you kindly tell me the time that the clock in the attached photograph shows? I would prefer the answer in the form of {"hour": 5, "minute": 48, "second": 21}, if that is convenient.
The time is {"hour": 9, "minute": 3, "second": 54}
